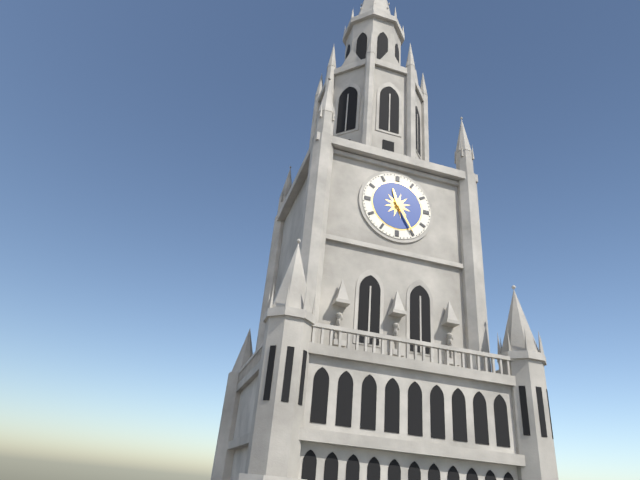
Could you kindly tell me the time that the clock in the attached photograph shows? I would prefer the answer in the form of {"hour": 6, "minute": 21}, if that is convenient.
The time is {"hour": 11, "minute": 25}
